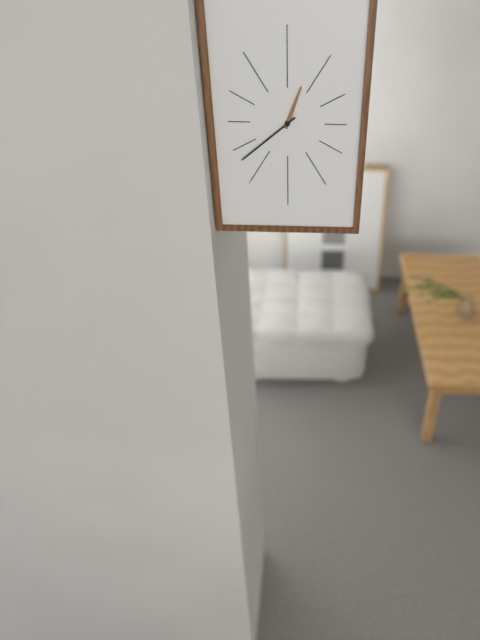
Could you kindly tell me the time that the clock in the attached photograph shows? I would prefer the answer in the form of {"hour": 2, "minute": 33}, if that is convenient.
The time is {"hour": 12, "minute": 38}
